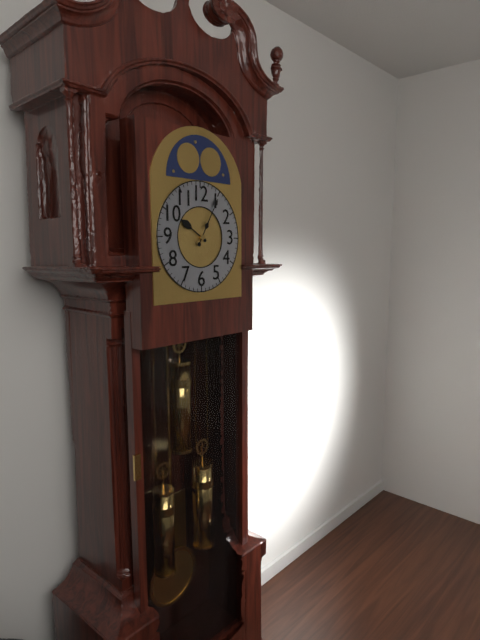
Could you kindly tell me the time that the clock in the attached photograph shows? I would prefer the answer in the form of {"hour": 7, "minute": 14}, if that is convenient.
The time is {"hour": 10, "minute": 5}
